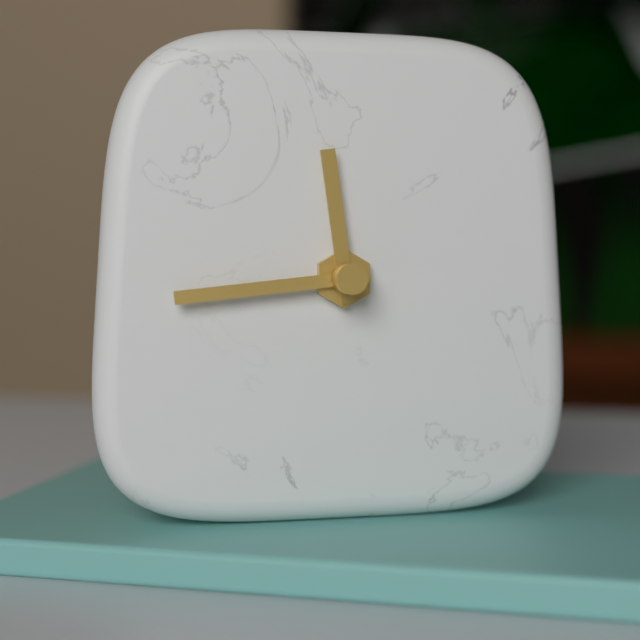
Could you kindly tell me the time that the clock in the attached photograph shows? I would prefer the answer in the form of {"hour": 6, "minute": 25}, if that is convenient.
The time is {"hour": 11, "minute": 44}
